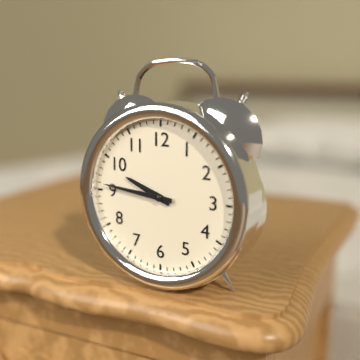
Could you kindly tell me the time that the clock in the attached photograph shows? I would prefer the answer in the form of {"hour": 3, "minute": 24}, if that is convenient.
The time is {"hour": 9, "minute": 46}
